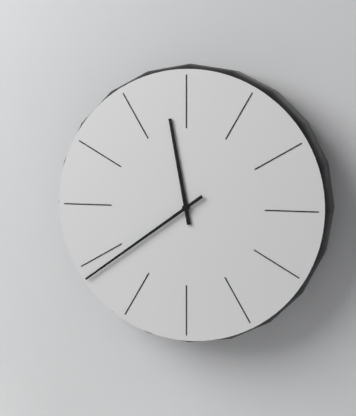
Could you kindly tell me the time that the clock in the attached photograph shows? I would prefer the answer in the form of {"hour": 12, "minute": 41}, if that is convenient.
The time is {"hour": 11, "minute": 39}
